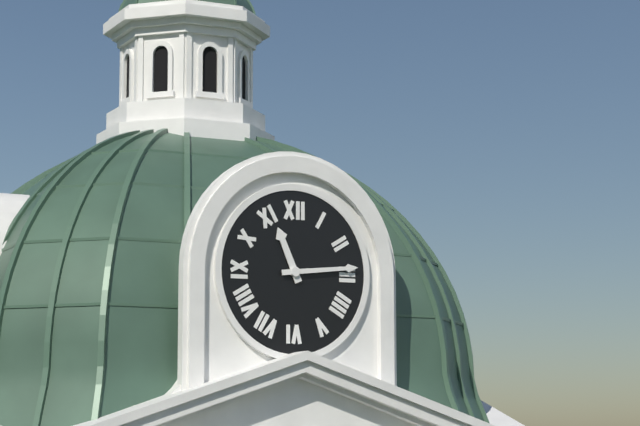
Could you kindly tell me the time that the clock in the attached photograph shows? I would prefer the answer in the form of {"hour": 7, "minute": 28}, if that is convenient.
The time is {"hour": 11, "minute": 14}
